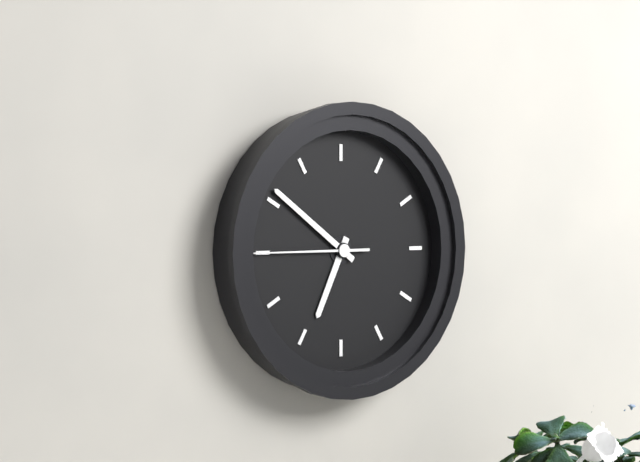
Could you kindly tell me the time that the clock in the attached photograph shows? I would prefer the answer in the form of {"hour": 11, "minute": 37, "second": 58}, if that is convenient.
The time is {"hour": 6, "minute": 51, "second": 45}
